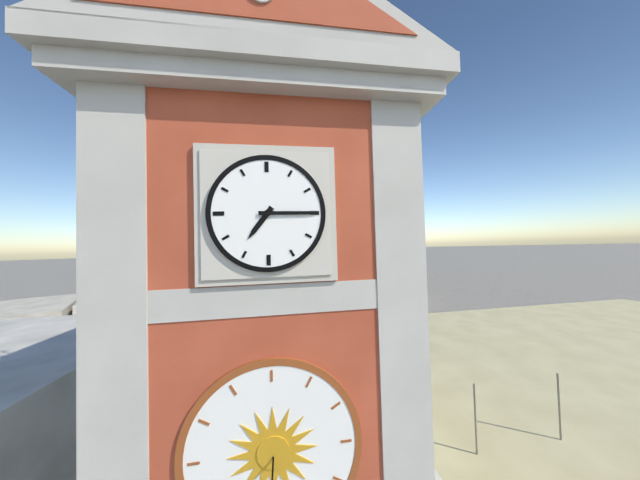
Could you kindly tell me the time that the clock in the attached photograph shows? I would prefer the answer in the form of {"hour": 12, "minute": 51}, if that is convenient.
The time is {"hour": 7, "minute": 15}
